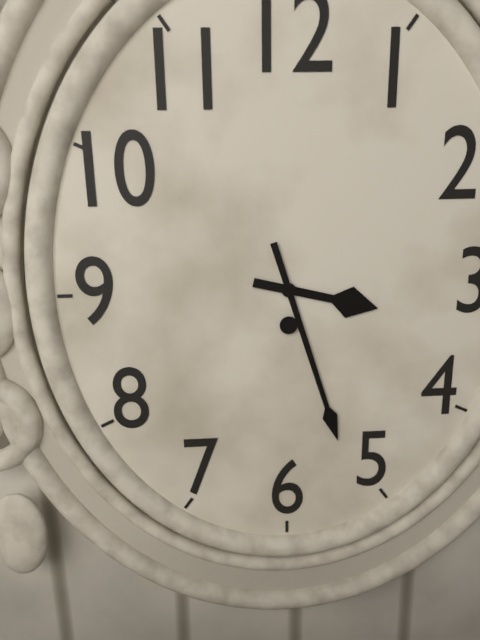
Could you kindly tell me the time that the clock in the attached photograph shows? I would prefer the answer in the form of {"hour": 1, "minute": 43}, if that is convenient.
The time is {"hour": 3, "minute": 27}
